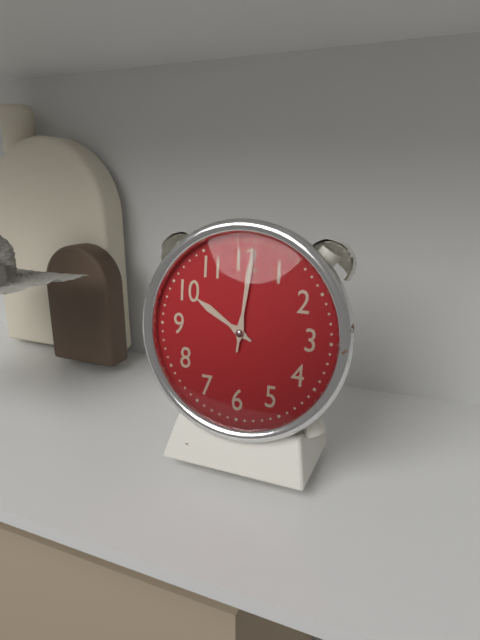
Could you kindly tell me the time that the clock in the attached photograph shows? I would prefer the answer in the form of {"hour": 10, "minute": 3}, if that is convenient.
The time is {"hour": 10, "minute": 1}
